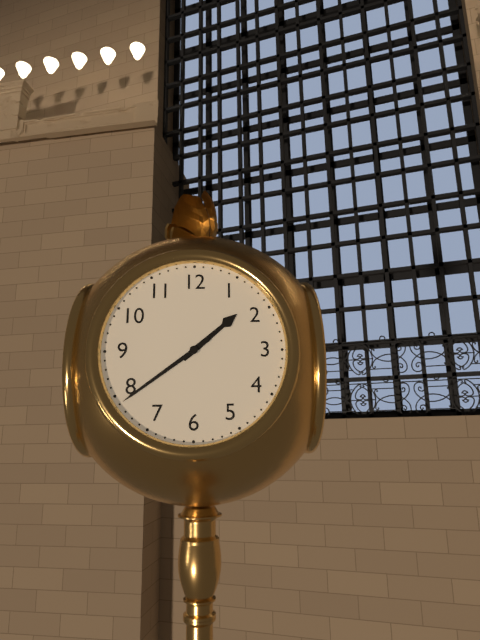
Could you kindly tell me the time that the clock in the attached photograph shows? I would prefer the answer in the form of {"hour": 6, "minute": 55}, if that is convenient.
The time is {"hour": 1, "minute": 39}
